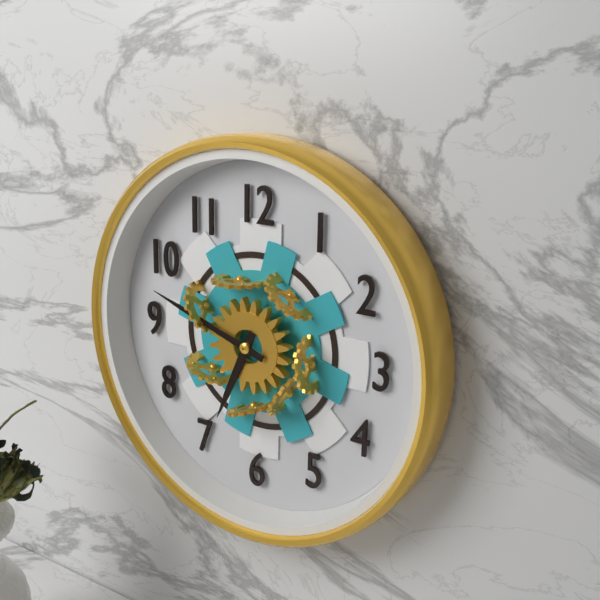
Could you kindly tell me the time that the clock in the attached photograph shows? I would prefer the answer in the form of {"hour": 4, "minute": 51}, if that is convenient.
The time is {"hour": 6, "minute": 48}
